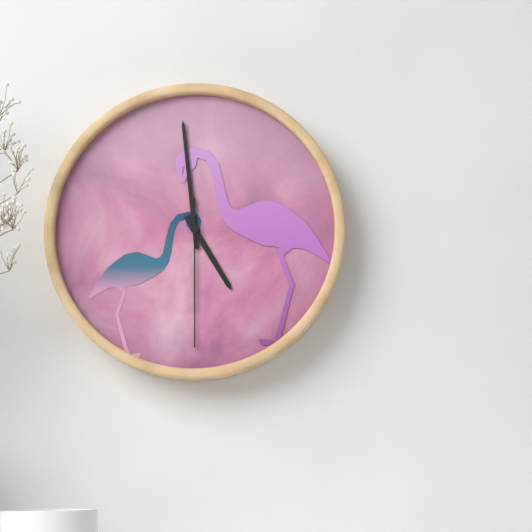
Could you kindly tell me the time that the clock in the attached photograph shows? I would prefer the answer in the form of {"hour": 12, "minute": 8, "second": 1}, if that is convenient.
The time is {"hour": 4, "minute": 59, "second": 30}
